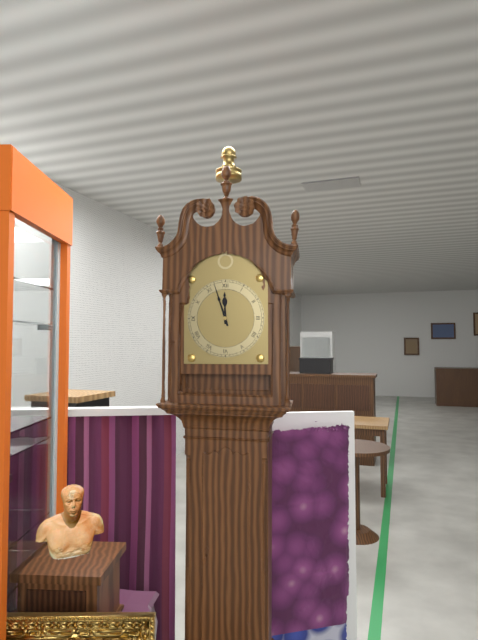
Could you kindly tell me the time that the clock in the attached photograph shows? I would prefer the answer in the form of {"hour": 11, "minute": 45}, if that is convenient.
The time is {"hour": 11, "minute": 57}
